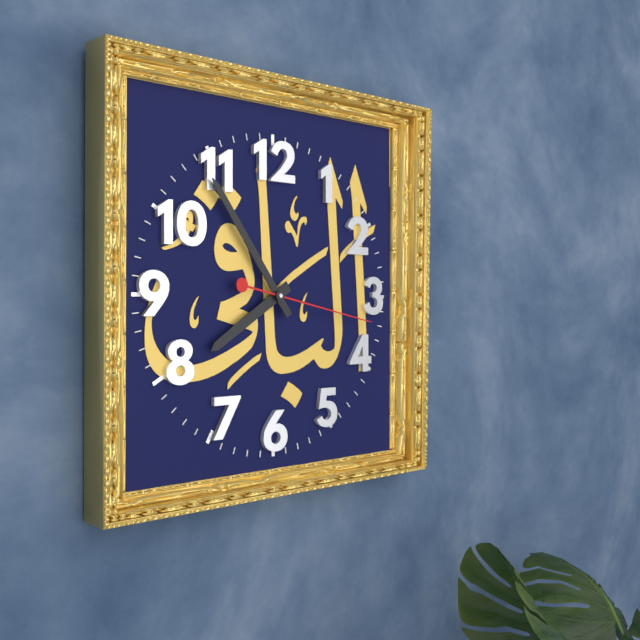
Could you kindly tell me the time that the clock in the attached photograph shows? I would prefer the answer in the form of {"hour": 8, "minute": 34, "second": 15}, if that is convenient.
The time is {"hour": 7, "minute": 54, "second": 17}
